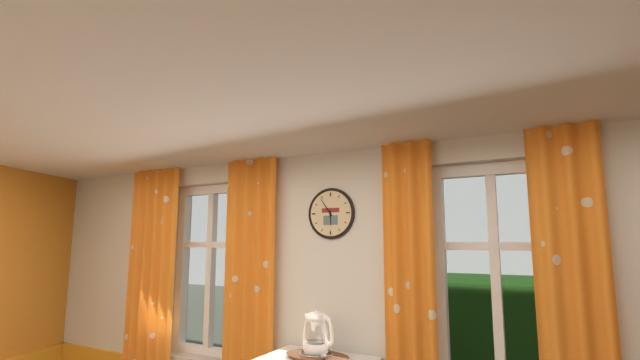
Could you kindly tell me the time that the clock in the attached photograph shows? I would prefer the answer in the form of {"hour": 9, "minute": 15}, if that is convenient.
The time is {"hour": 5, "minute": 54}
